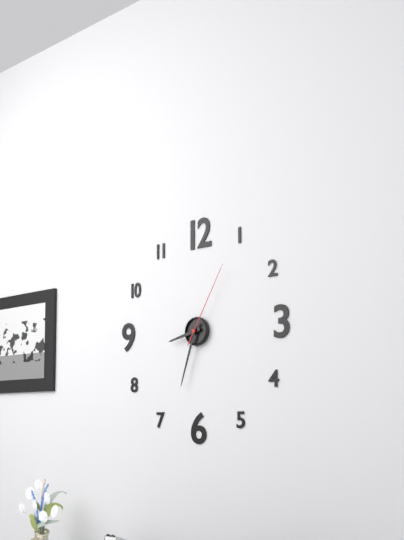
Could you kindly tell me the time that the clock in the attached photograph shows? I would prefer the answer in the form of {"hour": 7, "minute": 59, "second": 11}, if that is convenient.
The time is {"hour": 8, "minute": 33, "second": 5}
